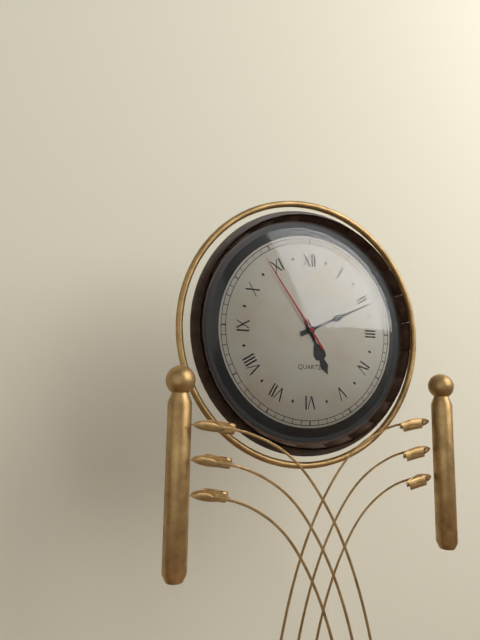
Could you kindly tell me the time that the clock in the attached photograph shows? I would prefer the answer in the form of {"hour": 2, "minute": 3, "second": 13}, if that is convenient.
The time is {"hour": 5, "minute": 11, "second": 54}
